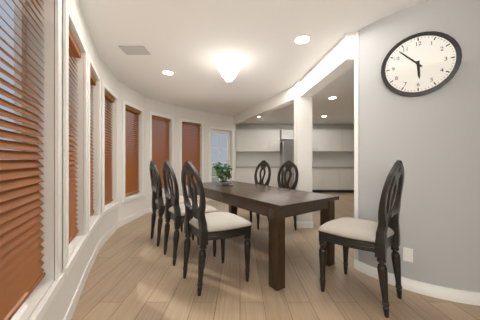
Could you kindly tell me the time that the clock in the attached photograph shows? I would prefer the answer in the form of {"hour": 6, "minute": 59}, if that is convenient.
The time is {"hour": 5, "minute": 53}
